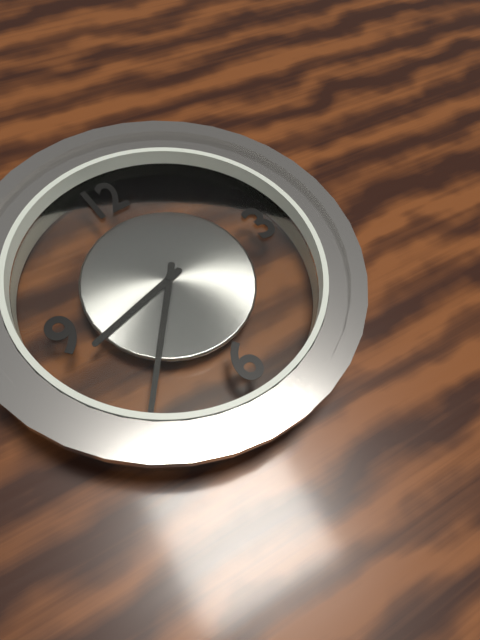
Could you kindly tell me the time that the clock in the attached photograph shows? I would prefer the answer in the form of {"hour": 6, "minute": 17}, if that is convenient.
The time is {"hour": 8, "minute": 37}
